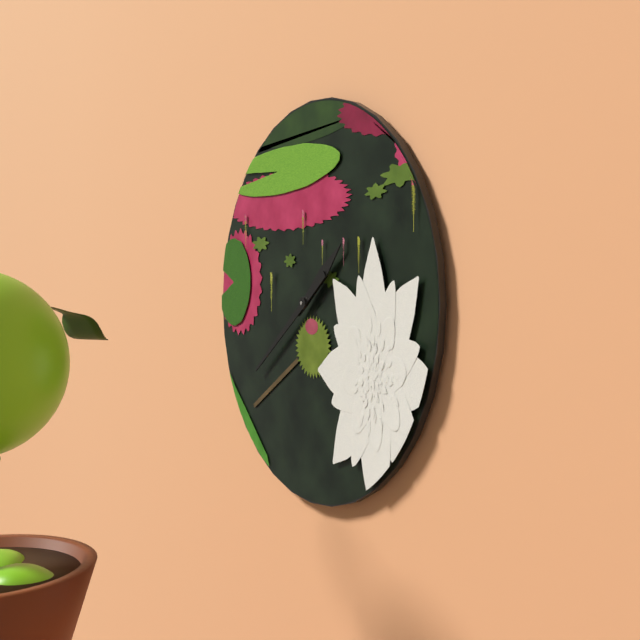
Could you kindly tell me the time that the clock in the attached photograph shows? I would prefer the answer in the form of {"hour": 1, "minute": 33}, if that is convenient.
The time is {"hour": 1, "minute": 39}
